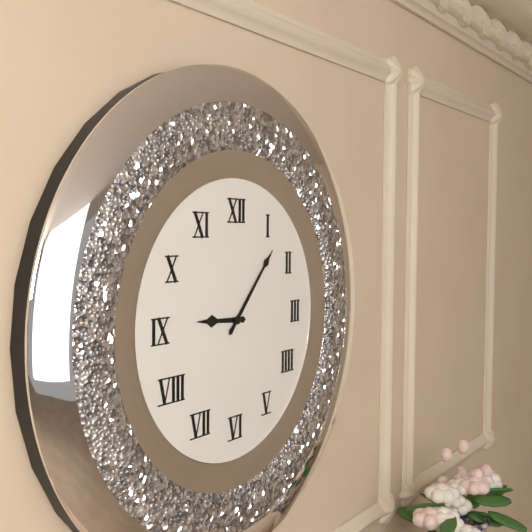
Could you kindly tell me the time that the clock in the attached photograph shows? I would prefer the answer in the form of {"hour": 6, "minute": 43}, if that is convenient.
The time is {"hour": 9, "minute": 7}
